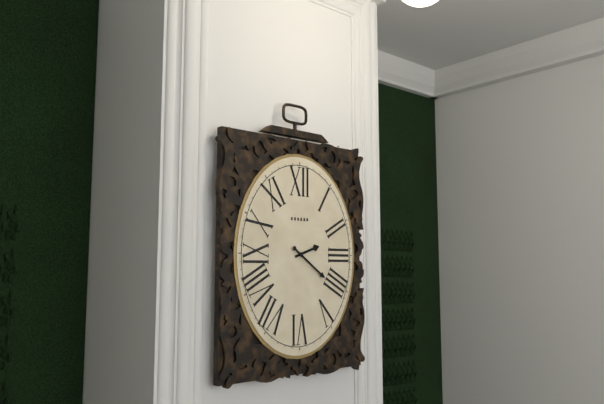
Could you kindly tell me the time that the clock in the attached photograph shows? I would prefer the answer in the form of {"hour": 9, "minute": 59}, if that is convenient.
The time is {"hour": 2, "minute": 21}
